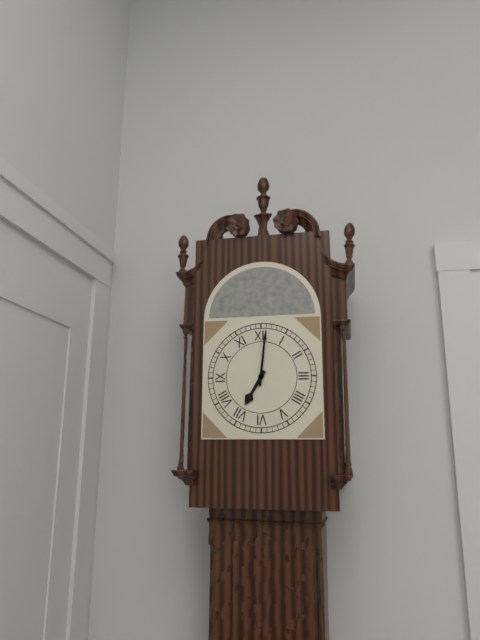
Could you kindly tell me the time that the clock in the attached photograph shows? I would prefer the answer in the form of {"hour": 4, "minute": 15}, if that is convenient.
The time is {"hour": 7, "minute": 1}
